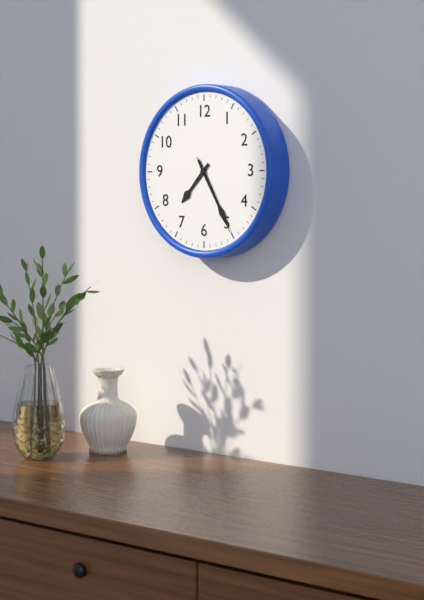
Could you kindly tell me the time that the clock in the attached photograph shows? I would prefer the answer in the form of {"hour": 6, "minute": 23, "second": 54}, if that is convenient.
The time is {"hour": 7, "minute": 25, "second": 25}
